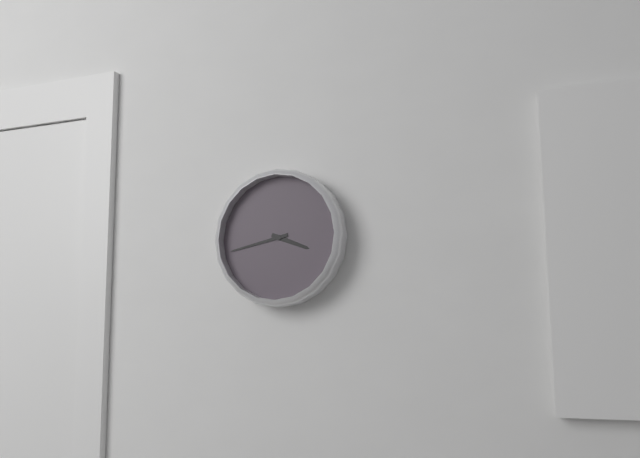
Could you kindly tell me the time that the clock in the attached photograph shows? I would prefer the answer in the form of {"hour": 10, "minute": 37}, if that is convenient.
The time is {"hour": 3, "minute": 43}
